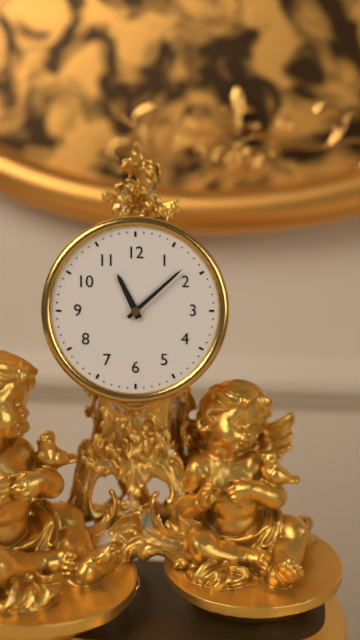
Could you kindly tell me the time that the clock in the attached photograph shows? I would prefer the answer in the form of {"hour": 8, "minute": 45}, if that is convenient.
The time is {"hour": 11, "minute": 8}
